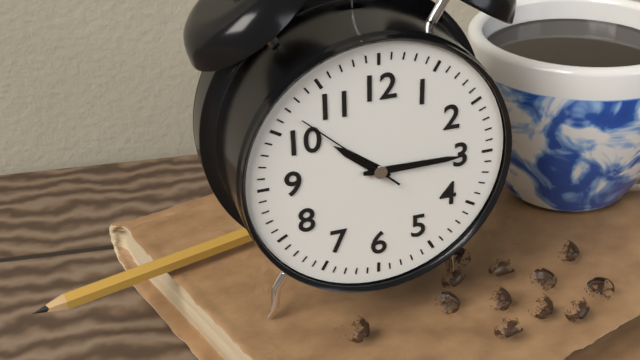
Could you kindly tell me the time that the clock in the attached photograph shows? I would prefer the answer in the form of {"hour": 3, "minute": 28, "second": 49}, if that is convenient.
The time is {"hour": 10, "minute": 15, "second": 52}
